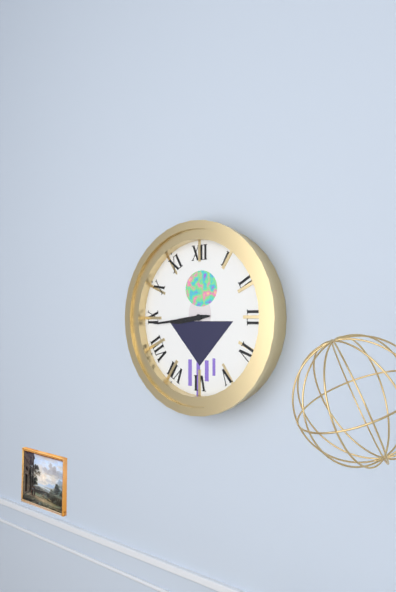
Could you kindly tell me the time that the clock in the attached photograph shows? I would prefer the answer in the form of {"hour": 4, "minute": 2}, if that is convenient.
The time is {"hour": 8, "minute": 44}
